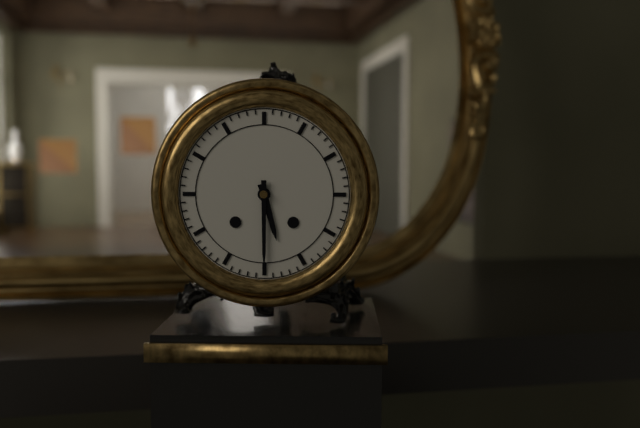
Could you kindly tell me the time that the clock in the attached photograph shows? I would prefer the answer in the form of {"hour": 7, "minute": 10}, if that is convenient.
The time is {"hour": 5, "minute": 30}
